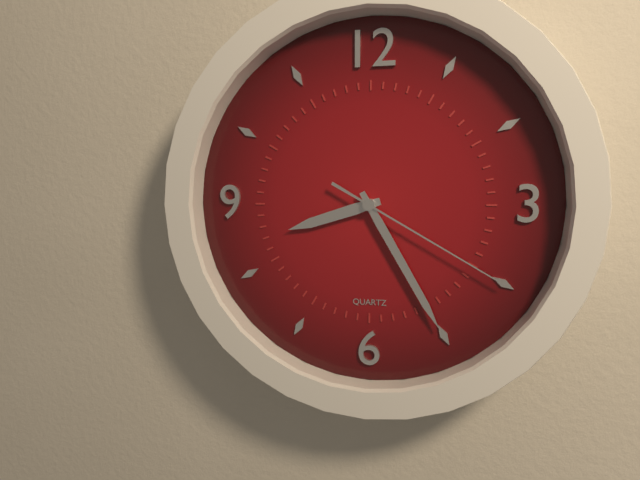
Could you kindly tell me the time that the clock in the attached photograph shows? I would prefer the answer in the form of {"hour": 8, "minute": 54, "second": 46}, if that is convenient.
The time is {"hour": 8, "minute": 25, "second": 20}
